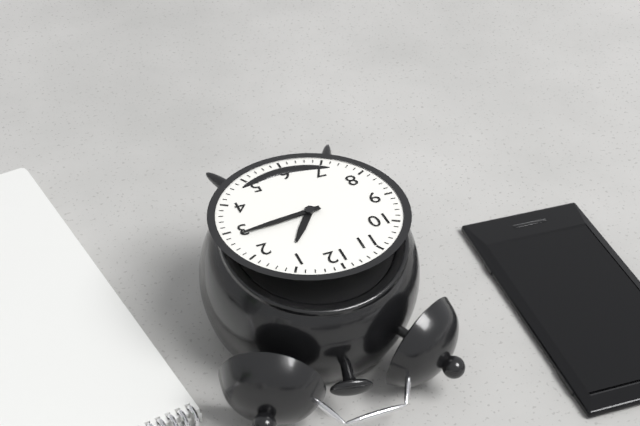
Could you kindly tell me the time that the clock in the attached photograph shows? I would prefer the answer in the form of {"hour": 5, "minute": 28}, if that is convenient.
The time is {"hour": 1, "minute": 14}
